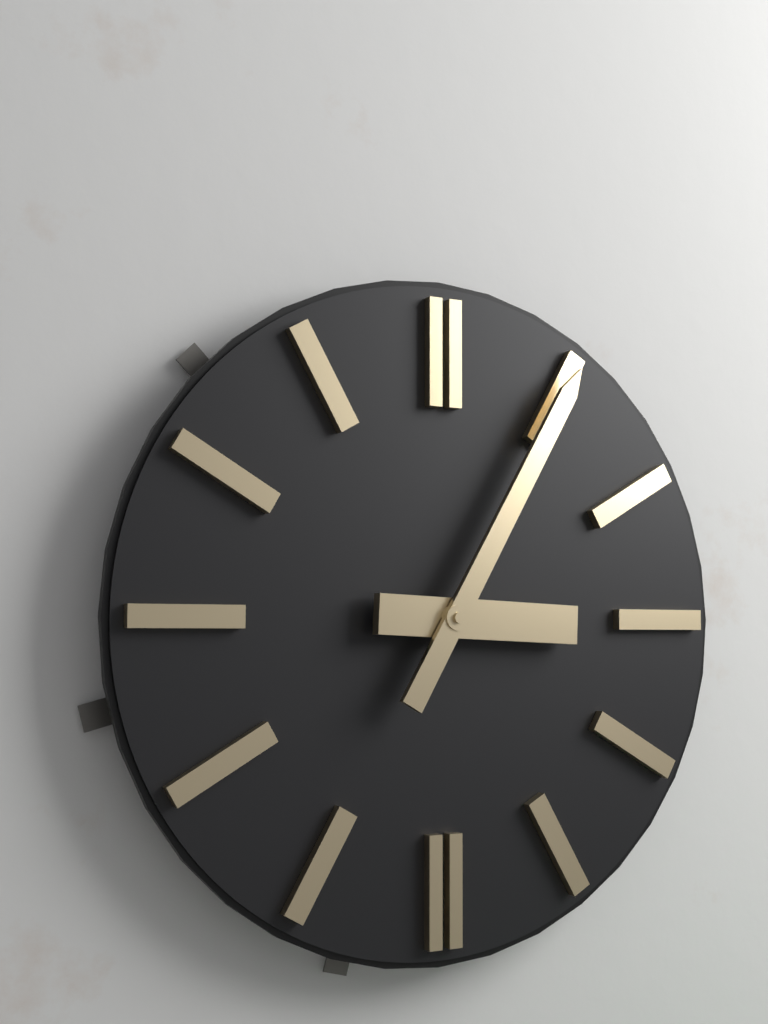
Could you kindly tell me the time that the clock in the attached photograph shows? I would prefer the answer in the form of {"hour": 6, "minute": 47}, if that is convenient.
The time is {"hour": 3, "minute": 5}
